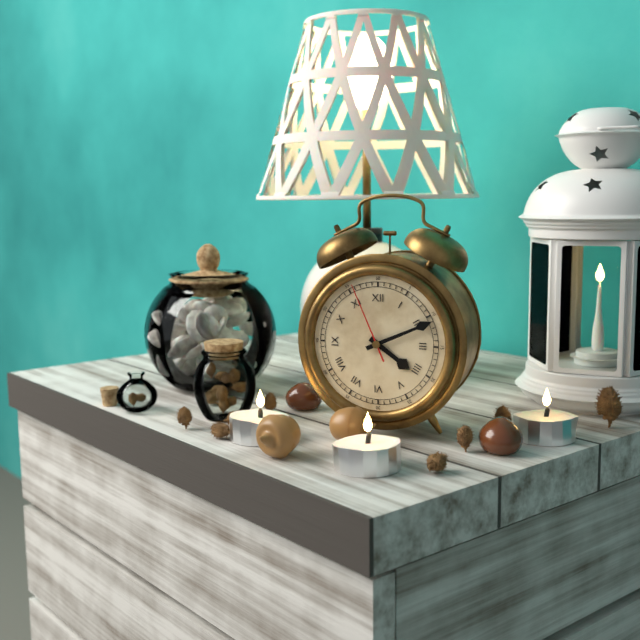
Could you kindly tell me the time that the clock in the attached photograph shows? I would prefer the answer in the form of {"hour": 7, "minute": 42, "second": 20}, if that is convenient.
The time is {"hour": 4, "minute": 11, "second": 56}
